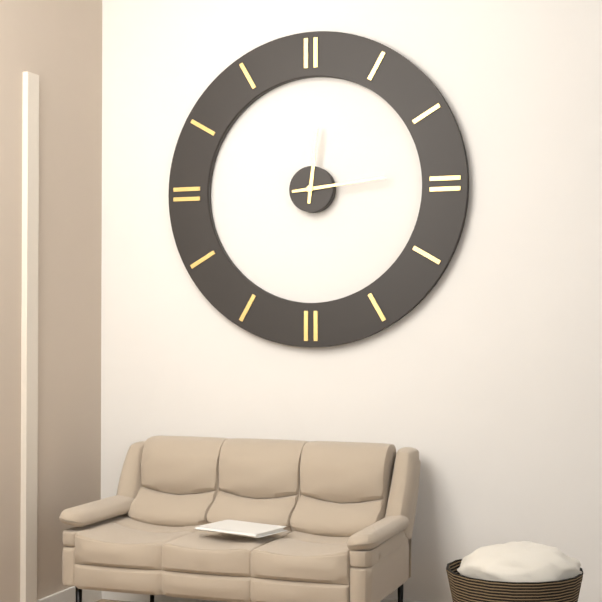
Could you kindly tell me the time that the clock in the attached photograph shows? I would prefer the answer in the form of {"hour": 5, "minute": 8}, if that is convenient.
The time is {"hour": 12, "minute": 14}
